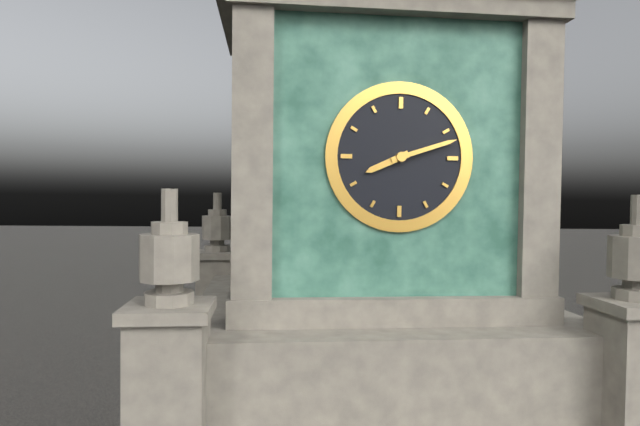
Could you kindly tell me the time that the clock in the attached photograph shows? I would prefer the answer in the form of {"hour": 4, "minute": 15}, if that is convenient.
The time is {"hour": 8, "minute": 12}
